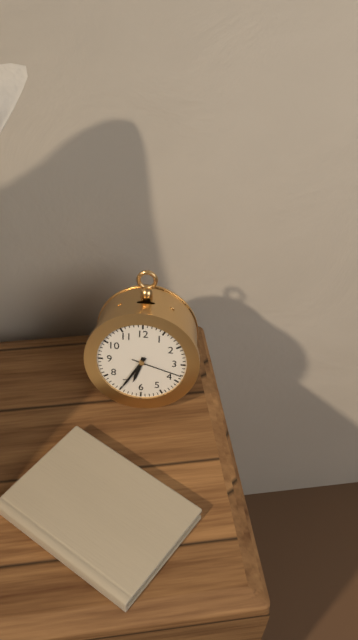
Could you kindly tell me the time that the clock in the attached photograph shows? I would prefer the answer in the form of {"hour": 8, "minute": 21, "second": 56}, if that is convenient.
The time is {"hour": 6, "minute": 35, "second": 18}
